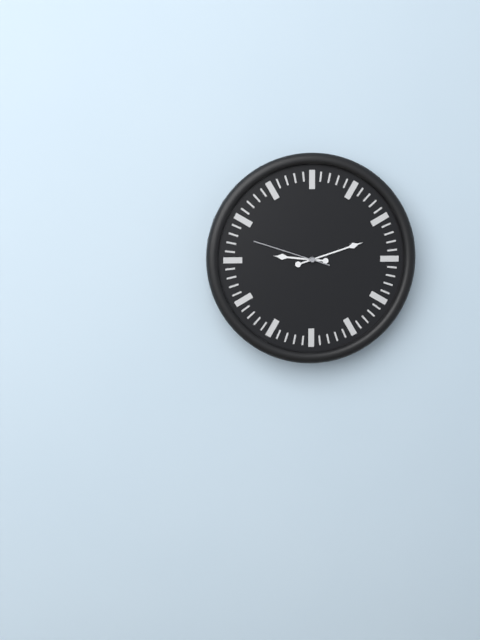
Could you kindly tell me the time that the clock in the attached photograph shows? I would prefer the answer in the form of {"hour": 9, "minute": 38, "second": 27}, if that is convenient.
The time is {"hour": 9, "minute": 12, "second": 48}
